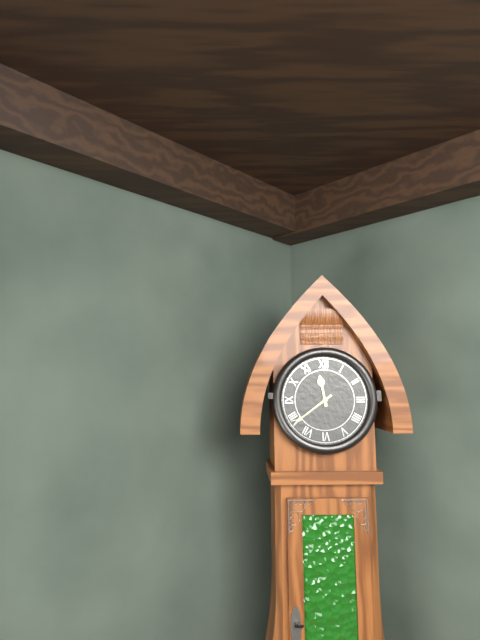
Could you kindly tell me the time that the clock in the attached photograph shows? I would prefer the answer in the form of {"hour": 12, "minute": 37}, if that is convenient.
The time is {"hour": 11, "minute": 39}
